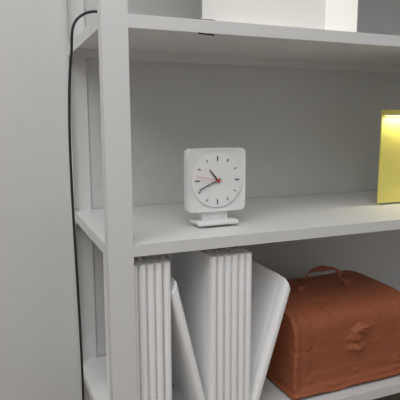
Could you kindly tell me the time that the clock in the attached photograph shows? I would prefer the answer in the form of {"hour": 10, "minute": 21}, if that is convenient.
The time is {"hour": 10, "minute": 41}
